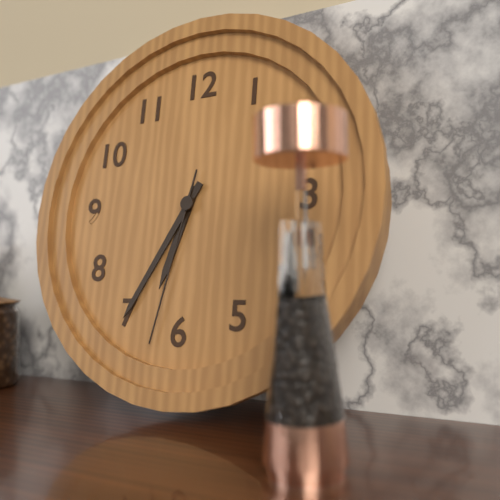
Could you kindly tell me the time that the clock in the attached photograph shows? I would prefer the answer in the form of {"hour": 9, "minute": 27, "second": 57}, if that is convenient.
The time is {"hour": 6, "minute": 35, "second": 32}
